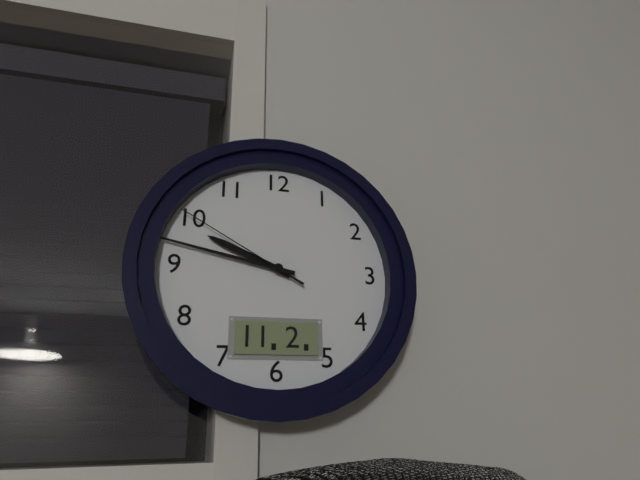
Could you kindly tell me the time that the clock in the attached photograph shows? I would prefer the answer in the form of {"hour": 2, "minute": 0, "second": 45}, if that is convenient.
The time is {"hour": 9, "minute": 47, "second": 50}
